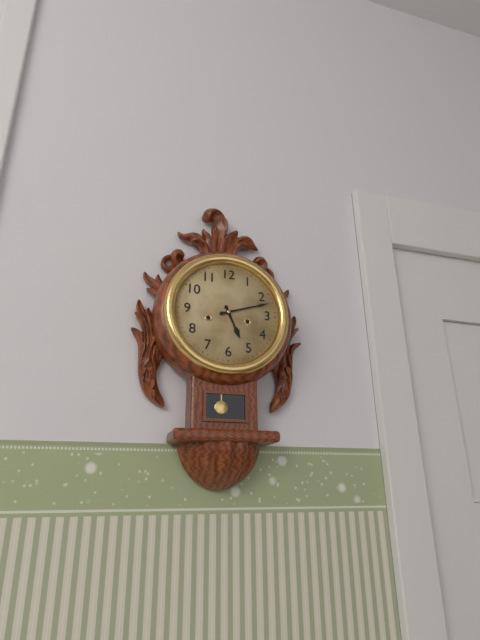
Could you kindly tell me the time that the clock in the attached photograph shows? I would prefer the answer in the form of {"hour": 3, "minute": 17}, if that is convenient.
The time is {"hour": 5, "minute": 12}
